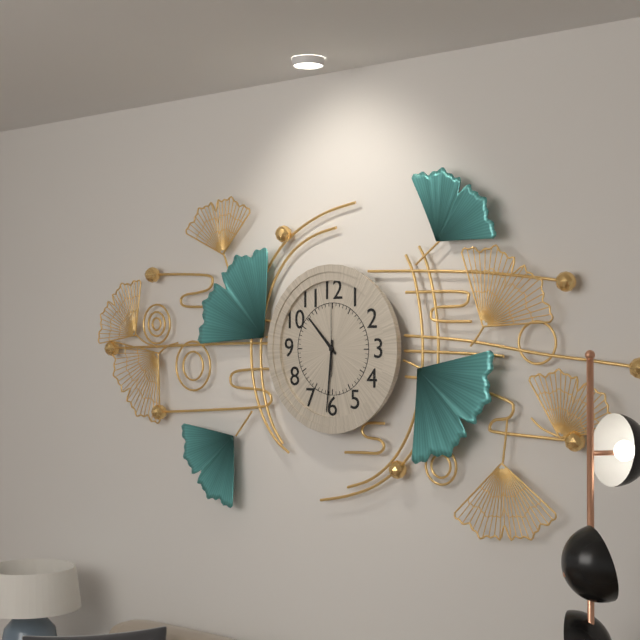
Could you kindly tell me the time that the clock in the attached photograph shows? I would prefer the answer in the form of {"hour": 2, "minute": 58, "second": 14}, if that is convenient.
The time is {"hour": 10, "minute": 31, "second": 0}
